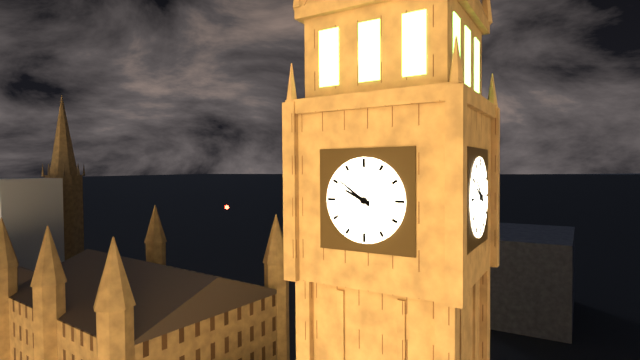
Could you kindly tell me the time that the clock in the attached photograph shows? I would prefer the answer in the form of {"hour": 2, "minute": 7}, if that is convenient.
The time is {"hour": 9, "minute": 51}
